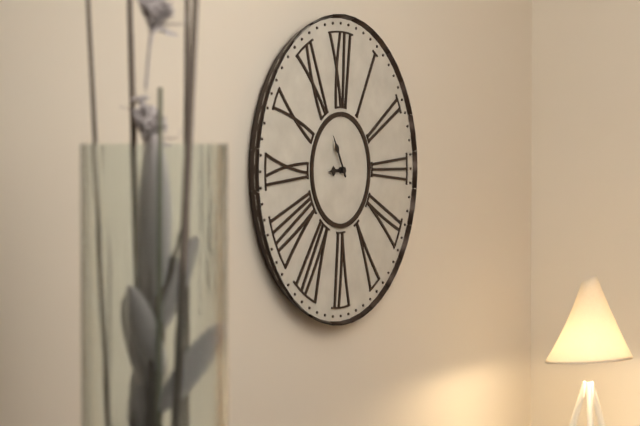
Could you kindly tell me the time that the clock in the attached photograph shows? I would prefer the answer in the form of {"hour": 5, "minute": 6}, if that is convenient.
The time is {"hour": 8, "minute": 55}
